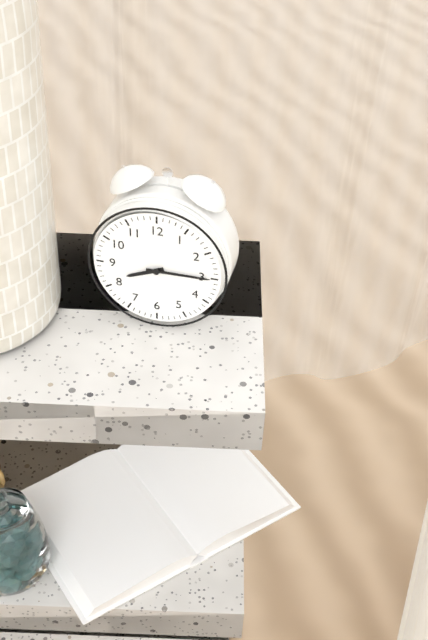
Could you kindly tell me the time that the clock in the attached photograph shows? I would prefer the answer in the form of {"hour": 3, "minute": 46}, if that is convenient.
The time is {"hour": 8, "minute": 15}
